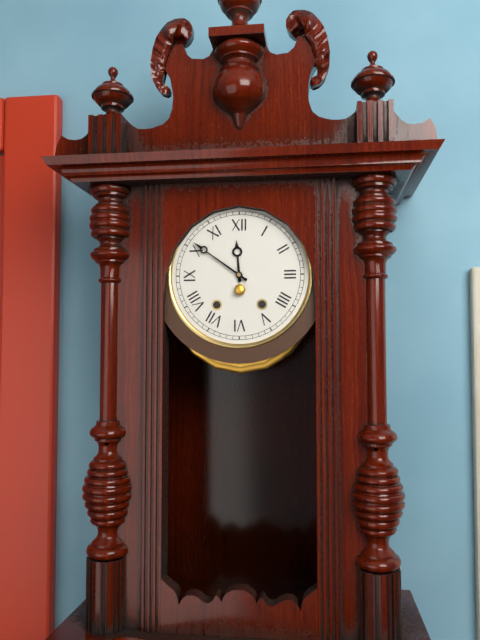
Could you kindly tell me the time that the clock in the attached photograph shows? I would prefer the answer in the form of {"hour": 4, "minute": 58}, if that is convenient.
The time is {"hour": 11, "minute": 51}
